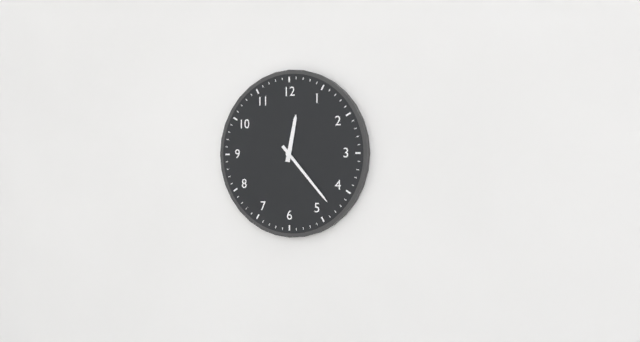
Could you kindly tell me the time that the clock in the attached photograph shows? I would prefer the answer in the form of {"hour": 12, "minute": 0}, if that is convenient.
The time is {"hour": 12, "minute": 23}
